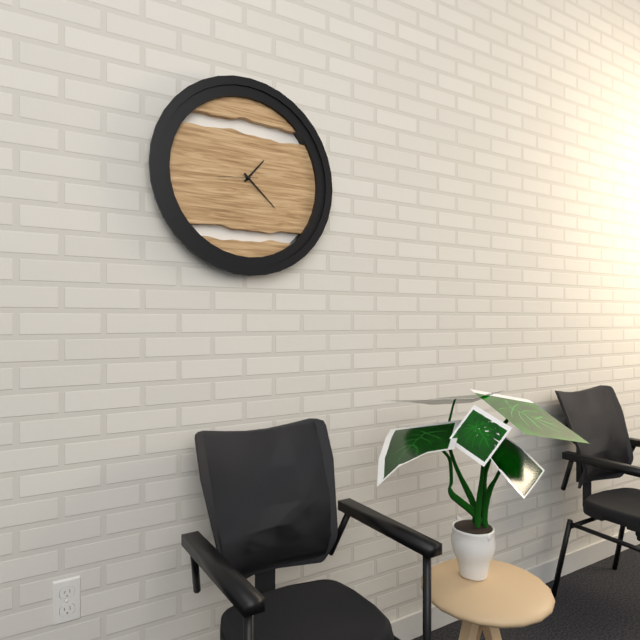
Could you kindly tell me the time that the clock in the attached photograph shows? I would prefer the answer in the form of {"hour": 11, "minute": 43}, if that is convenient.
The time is {"hour": 1, "minute": 22}
